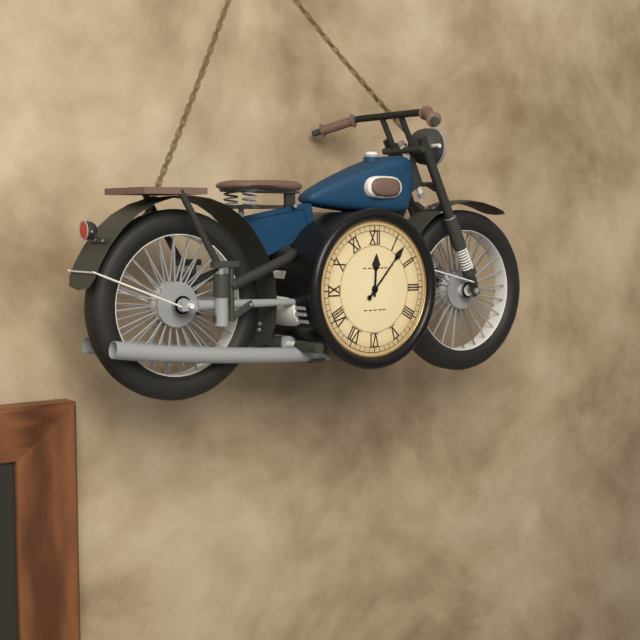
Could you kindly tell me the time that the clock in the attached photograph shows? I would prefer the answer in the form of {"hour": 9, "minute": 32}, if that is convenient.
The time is {"hour": 12, "minute": 7}
